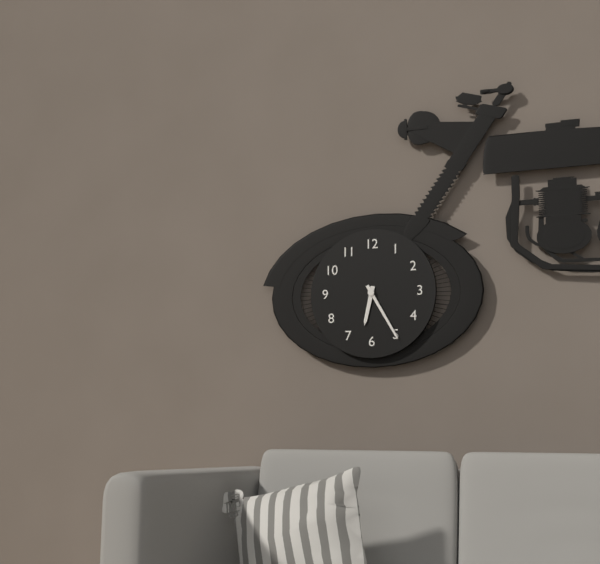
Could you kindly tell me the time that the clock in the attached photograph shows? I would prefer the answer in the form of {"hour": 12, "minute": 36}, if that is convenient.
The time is {"hour": 6, "minute": 25}
